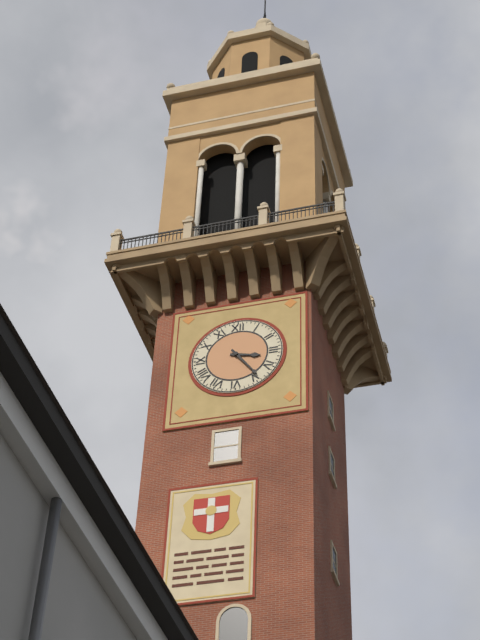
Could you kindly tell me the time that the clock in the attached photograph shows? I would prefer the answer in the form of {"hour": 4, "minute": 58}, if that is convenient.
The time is {"hour": 3, "minute": 24}
